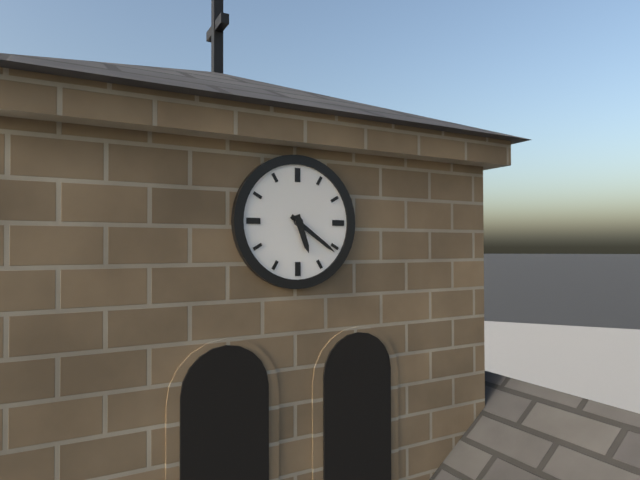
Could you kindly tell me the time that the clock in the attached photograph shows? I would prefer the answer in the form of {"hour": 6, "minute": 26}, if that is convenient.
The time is {"hour": 5, "minute": 21}
